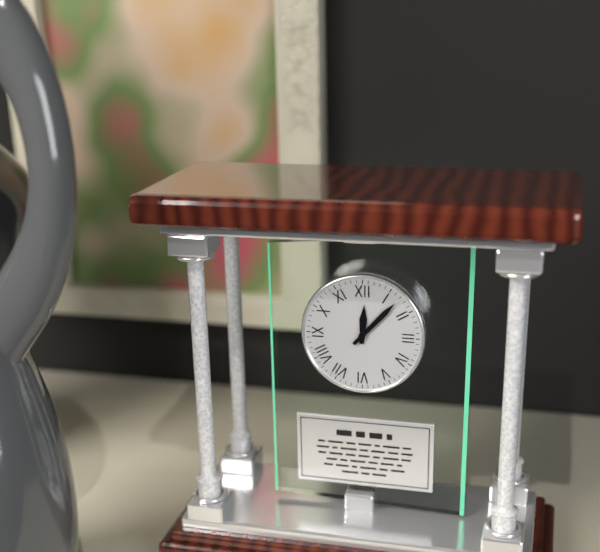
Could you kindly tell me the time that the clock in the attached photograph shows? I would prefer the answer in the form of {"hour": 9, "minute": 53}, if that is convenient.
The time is {"hour": 12, "minute": 7}
